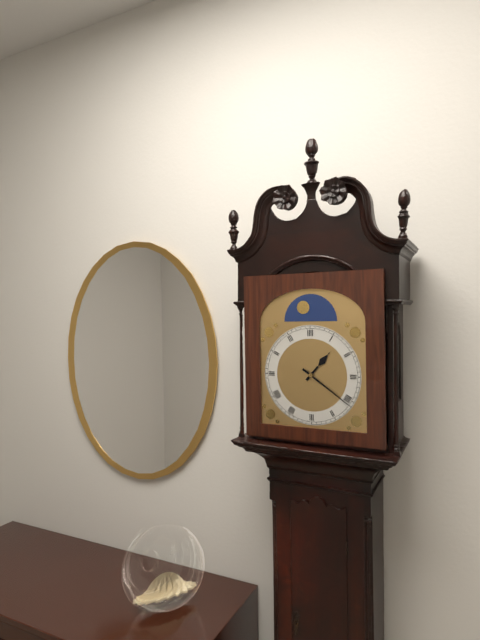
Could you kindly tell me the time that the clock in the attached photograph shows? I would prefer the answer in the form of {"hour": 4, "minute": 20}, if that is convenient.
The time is {"hour": 1, "minute": 21}
